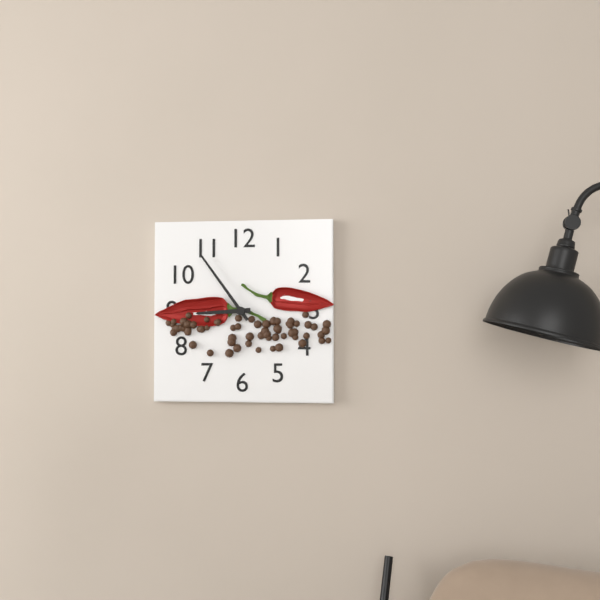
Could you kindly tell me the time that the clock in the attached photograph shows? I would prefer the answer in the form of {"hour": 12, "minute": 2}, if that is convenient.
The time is {"hour": 8, "minute": 54}
